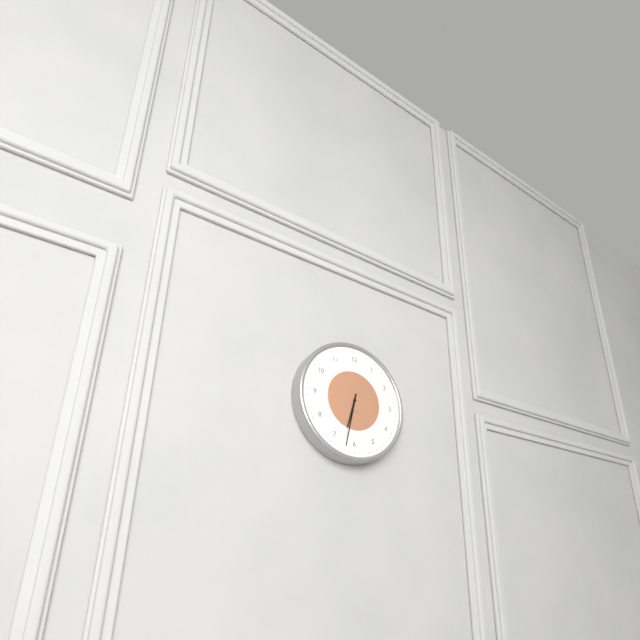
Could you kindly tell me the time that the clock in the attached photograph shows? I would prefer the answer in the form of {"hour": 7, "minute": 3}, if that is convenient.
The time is {"hour": 6, "minute": 32}
